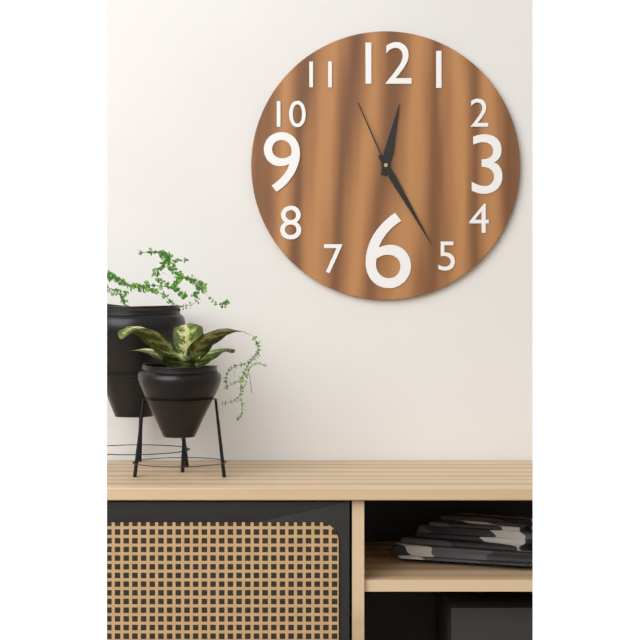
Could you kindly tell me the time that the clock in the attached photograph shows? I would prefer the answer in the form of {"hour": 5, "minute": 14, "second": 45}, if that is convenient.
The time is {"hour": 12, "minute": 25, "second": 56}
